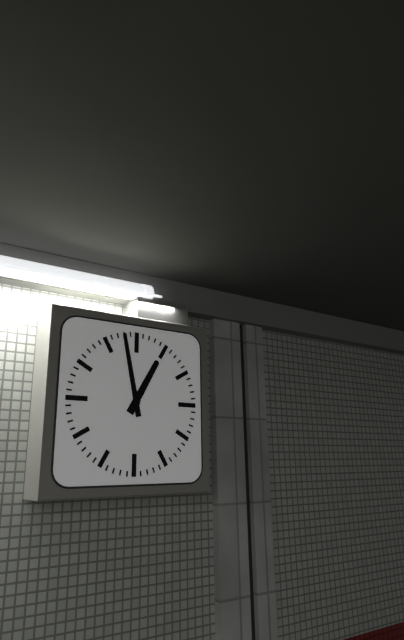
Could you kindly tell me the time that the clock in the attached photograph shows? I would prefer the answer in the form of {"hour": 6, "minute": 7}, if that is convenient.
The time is {"hour": 12, "minute": 58}
